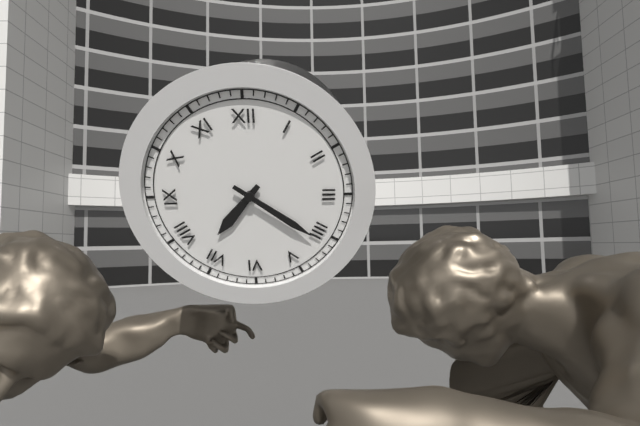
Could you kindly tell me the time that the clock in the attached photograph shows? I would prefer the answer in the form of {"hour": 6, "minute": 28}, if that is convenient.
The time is {"hour": 7, "minute": 21}
